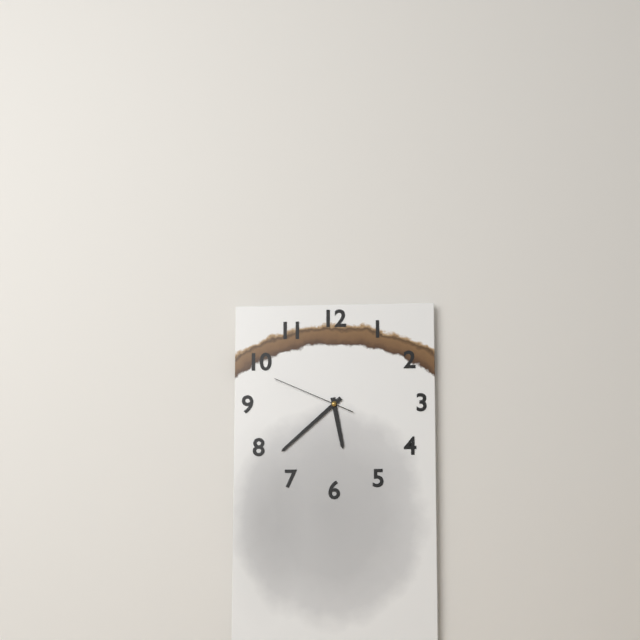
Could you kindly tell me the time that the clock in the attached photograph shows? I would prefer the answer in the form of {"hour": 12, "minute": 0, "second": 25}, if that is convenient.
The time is {"hour": 5, "minute": 38, "second": 49}
